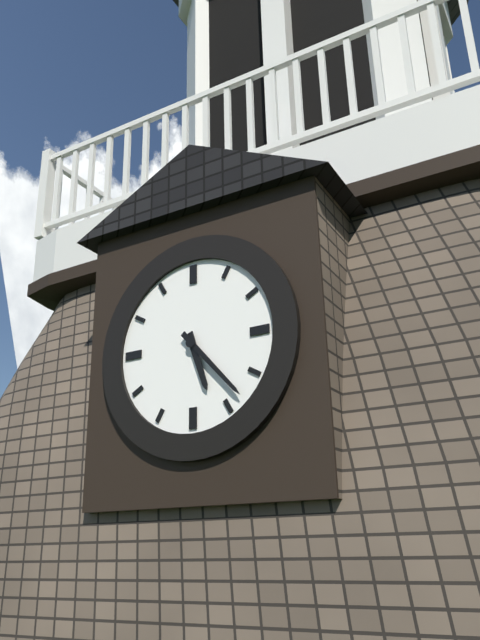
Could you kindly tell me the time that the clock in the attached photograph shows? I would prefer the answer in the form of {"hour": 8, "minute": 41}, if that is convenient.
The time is {"hour": 5, "minute": 23}
